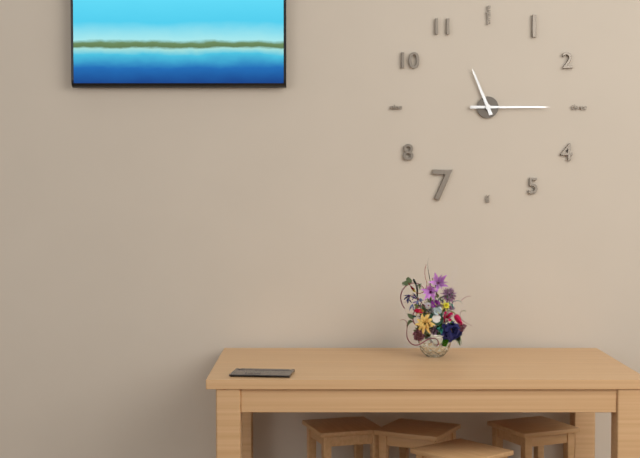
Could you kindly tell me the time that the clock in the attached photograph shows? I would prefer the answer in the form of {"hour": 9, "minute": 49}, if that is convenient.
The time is {"hour": 11, "minute": 15}
